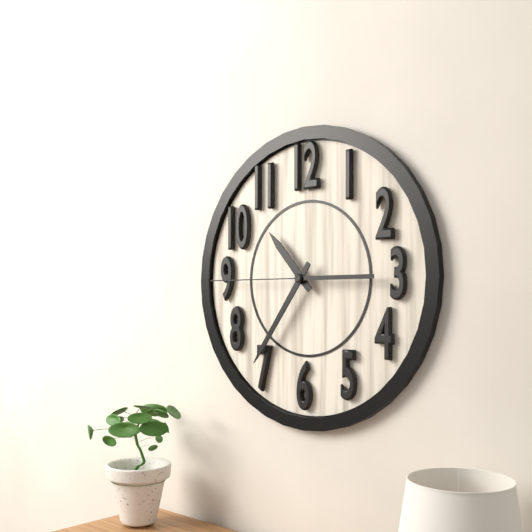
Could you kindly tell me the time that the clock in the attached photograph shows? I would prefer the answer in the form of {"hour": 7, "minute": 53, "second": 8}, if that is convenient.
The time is {"hour": 10, "minute": 36, "second": 45}
